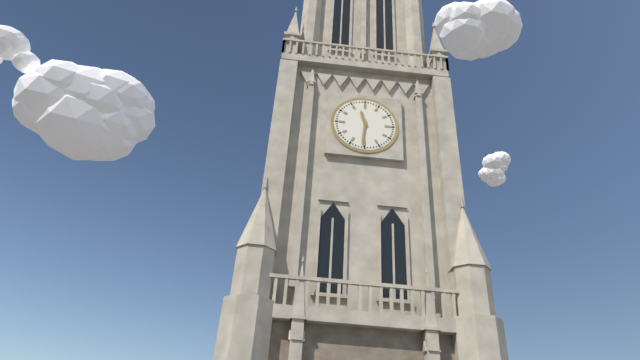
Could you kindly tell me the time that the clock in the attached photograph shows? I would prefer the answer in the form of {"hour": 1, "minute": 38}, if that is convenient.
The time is {"hour": 11, "minute": 31}
